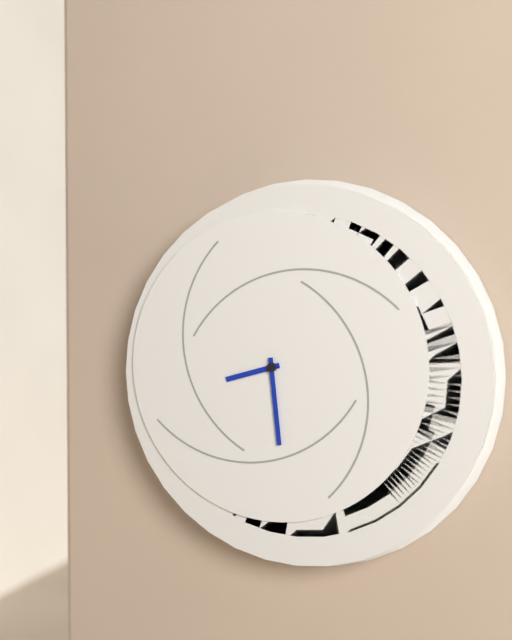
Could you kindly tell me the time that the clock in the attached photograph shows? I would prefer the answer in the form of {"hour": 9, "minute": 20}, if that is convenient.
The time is {"hour": 8, "minute": 29}
